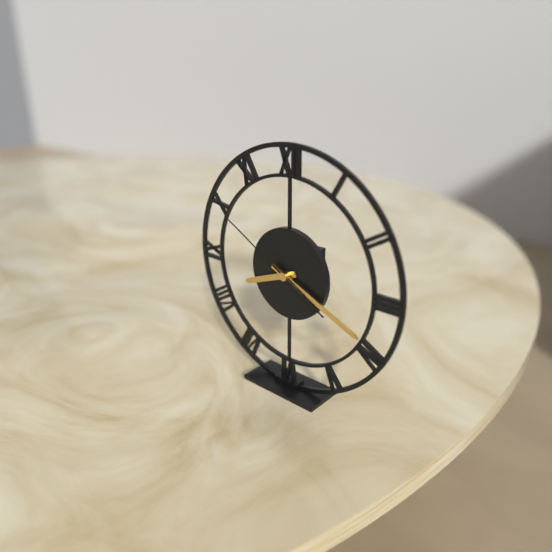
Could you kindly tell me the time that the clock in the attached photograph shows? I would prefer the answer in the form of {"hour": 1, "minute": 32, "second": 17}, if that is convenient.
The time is {"hour": 8, "minute": 19, "second": 50}
